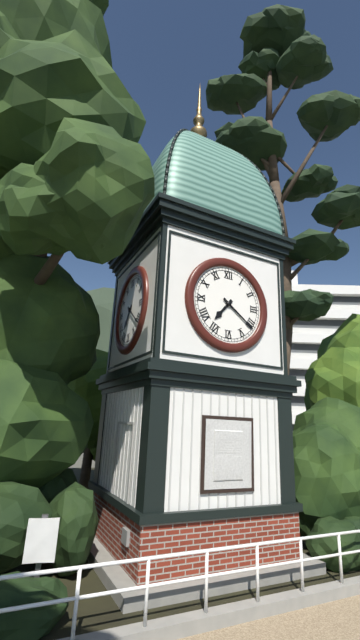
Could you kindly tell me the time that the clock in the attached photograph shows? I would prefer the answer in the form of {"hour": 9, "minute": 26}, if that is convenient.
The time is {"hour": 7, "minute": 21}
